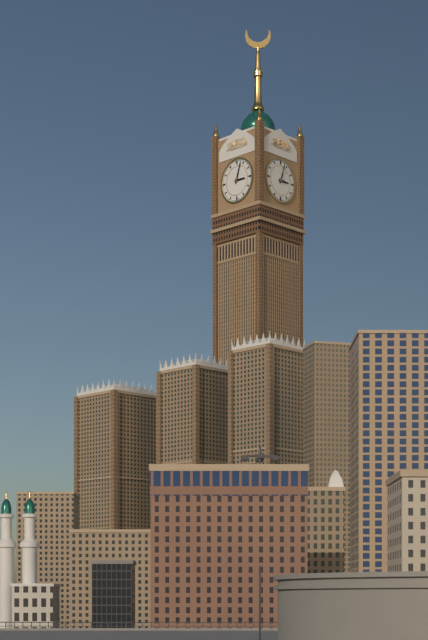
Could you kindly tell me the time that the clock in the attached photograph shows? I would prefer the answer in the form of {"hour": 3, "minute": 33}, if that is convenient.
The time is {"hour": 3, "minute": 3}
